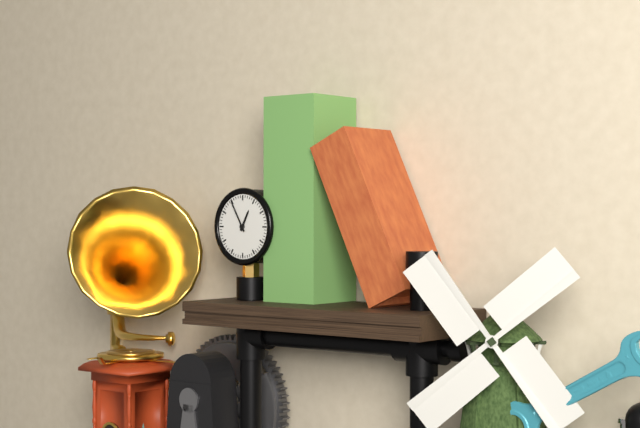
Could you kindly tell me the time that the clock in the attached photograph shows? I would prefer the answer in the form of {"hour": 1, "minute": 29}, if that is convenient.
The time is {"hour": 12, "minute": 55}
